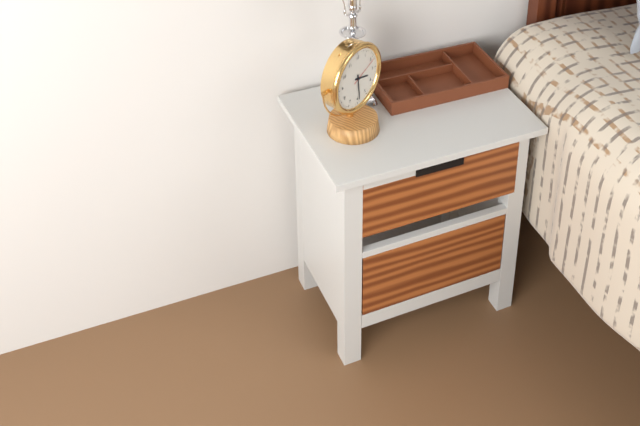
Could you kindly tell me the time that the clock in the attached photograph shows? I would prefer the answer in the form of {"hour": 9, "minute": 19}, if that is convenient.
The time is {"hour": 3, "minute": 29}
